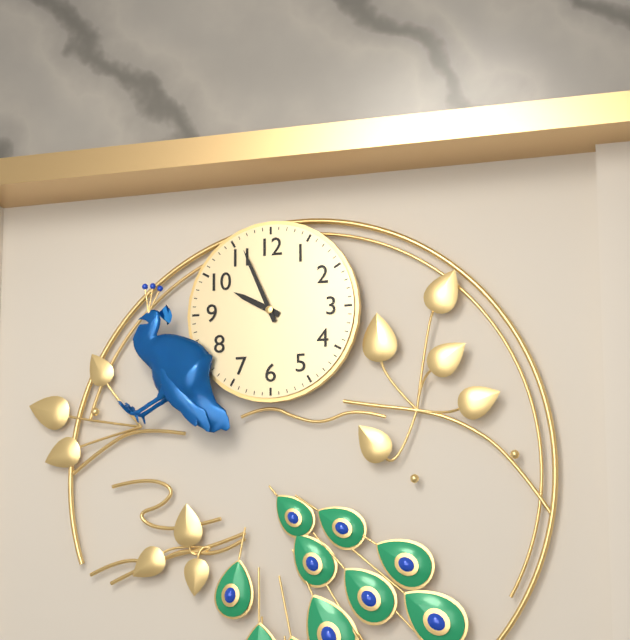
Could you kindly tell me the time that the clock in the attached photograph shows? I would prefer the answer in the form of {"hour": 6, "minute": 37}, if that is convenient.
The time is {"hour": 9, "minute": 56}
